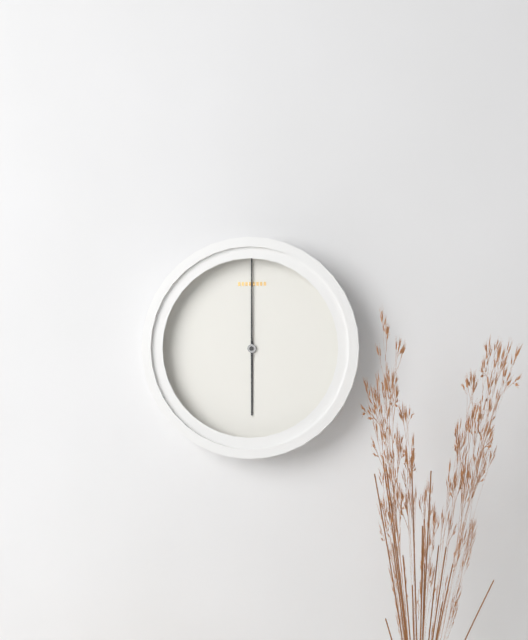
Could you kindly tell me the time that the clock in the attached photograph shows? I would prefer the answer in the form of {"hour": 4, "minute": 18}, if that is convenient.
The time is {"hour": 6, "minute": 0}
